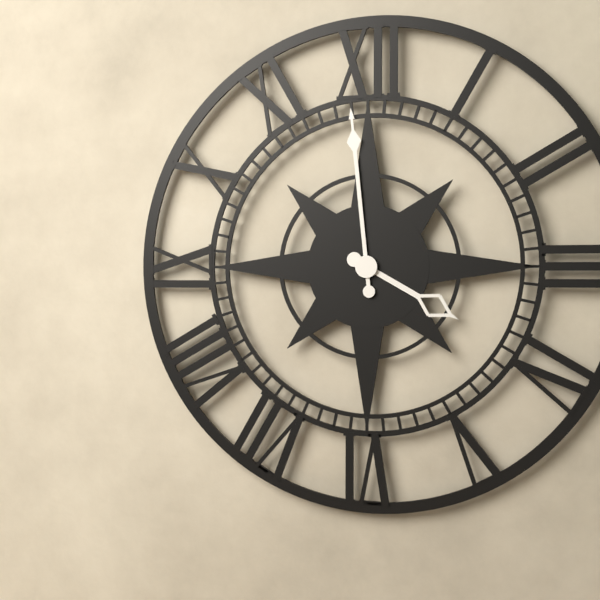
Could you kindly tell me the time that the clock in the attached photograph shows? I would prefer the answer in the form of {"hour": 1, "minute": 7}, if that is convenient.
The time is {"hour": 3, "minute": 59}
